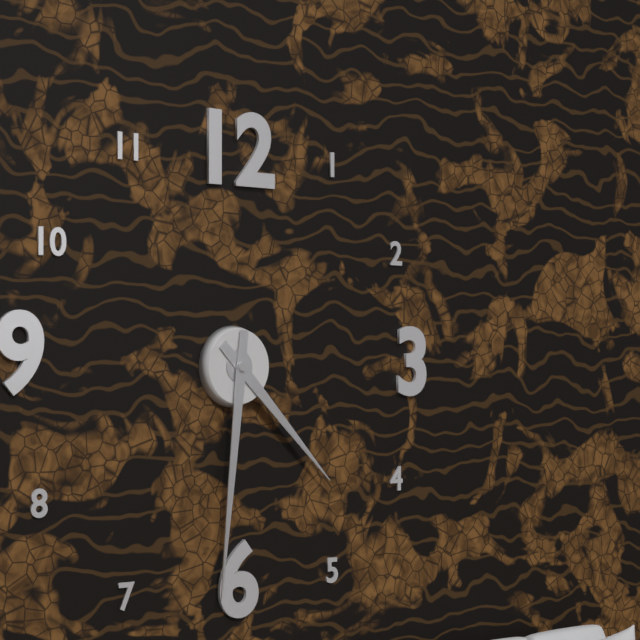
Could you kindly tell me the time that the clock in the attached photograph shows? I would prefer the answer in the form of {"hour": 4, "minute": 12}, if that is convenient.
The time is {"hour": 4, "minute": 31}
